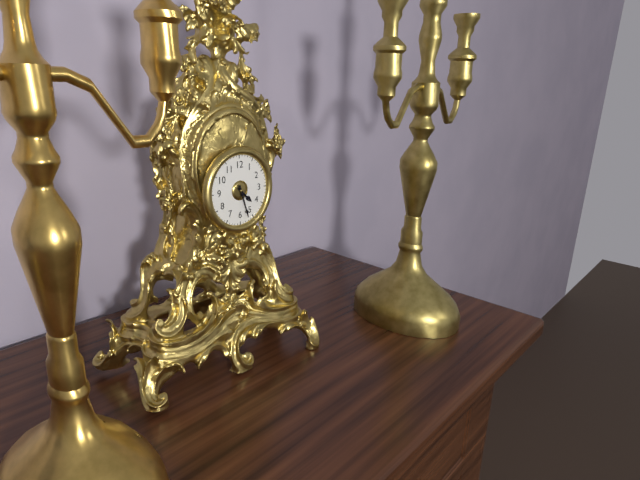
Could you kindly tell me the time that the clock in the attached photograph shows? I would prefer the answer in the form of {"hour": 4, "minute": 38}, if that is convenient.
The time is {"hour": 4, "minute": 27}
